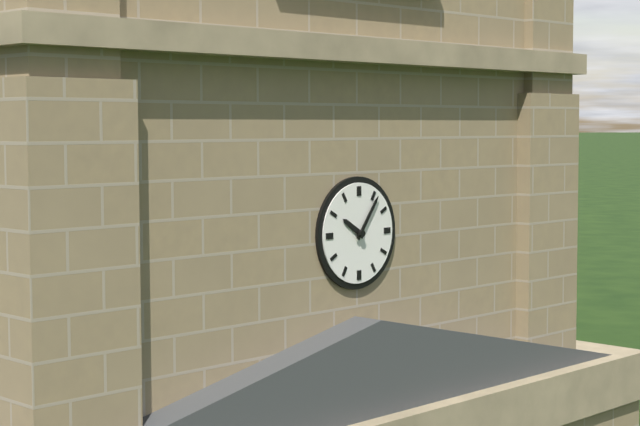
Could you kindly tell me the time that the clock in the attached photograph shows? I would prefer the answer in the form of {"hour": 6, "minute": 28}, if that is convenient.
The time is {"hour": 10, "minute": 6}
